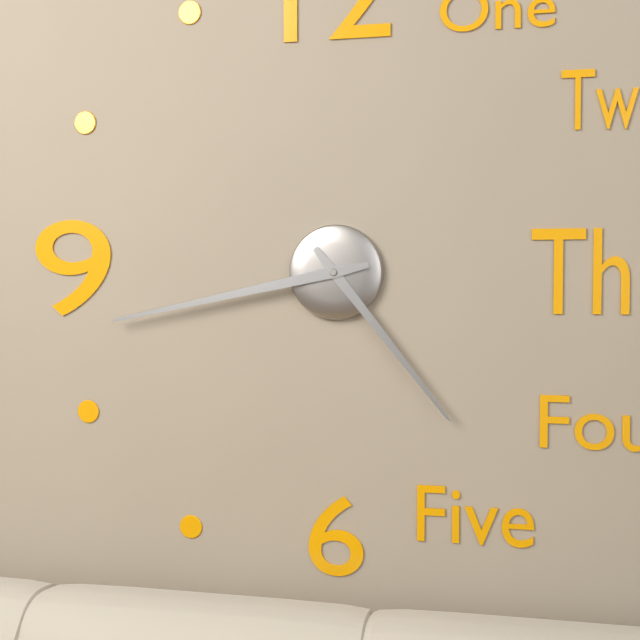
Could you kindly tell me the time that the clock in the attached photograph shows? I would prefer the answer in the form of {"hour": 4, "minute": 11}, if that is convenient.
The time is {"hour": 4, "minute": 43}
